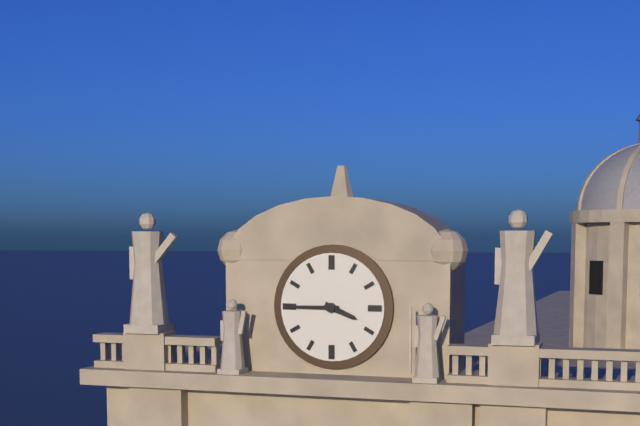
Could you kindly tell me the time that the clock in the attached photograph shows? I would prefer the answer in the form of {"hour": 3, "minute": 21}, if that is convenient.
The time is {"hour": 3, "minute": 45}
